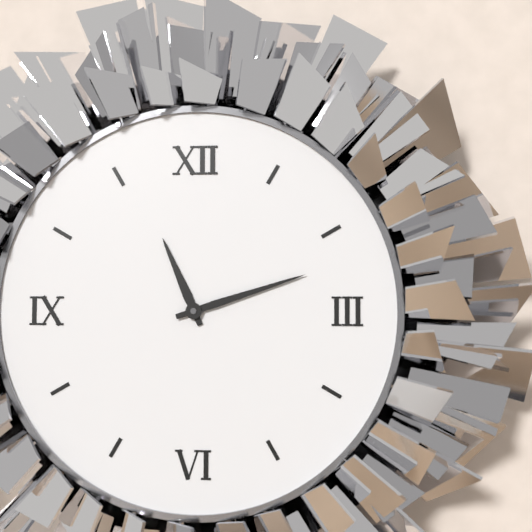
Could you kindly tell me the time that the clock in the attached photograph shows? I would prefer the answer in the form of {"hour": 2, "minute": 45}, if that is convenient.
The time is {"hour": 11, "minute": 12}
